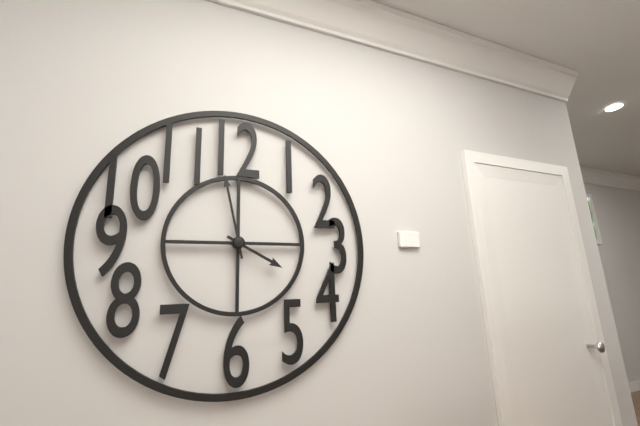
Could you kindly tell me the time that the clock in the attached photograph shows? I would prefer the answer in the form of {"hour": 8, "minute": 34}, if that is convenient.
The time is {"hour": 3, "minute": 58}
